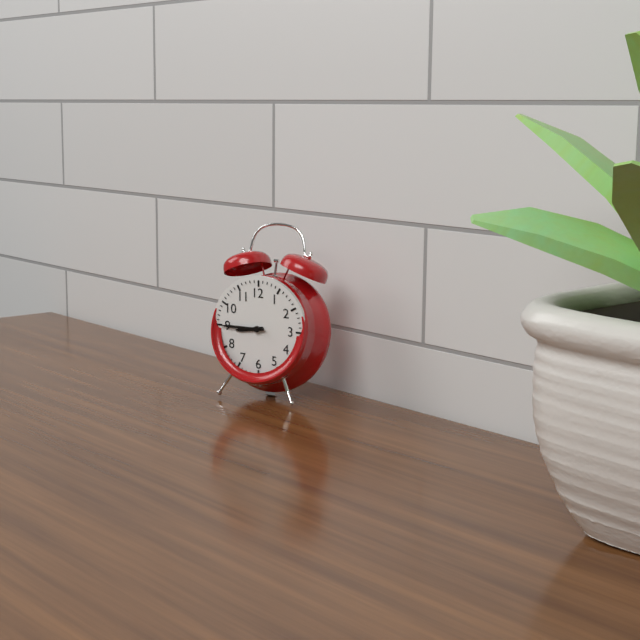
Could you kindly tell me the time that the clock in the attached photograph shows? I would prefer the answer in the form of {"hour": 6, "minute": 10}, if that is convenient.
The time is {"hour": 8, "minute": 45}
